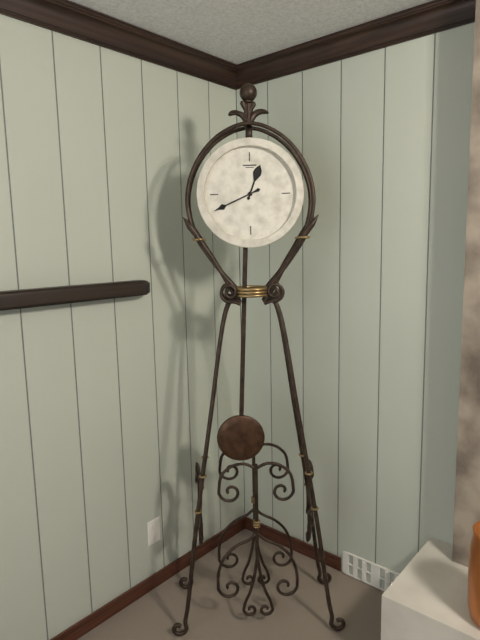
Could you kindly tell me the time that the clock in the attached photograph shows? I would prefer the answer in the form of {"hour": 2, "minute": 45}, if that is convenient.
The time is {"hour": 12, "minute": 41}
